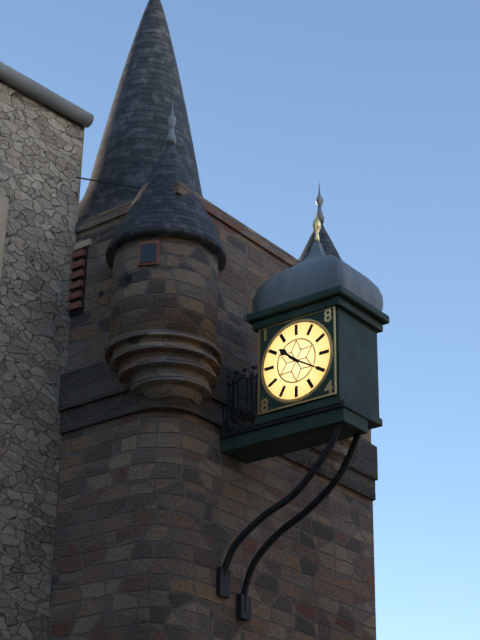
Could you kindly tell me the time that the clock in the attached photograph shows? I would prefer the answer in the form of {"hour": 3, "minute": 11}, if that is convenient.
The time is {"hour": 10, "minute": 20}
